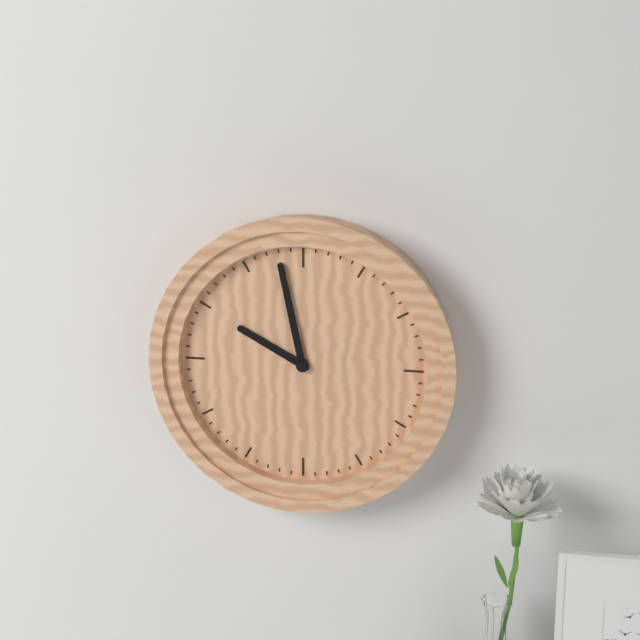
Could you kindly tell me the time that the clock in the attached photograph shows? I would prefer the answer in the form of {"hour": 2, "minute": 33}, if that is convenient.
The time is {"hour": 9, "minute": 58}
